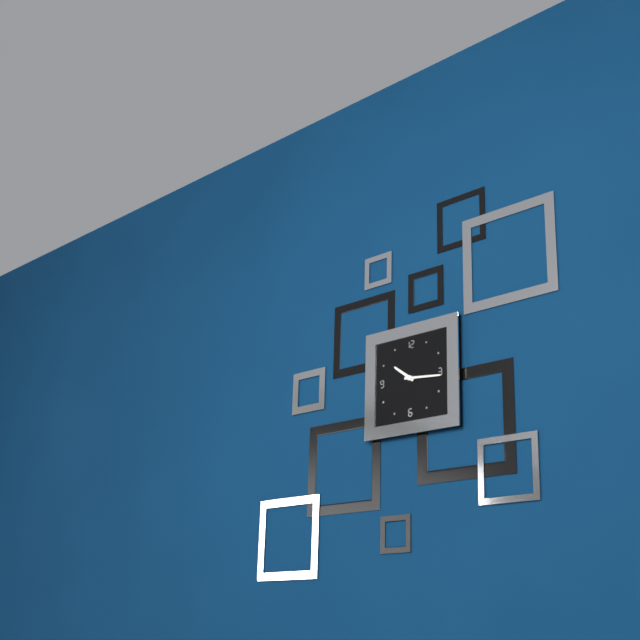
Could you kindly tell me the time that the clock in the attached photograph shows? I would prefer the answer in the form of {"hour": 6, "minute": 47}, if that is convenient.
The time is {"hour": 10, "minute": 16}
